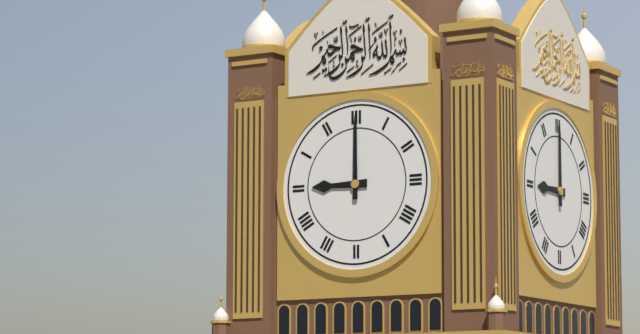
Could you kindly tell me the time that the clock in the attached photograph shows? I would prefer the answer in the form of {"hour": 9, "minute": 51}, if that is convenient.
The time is {"hour": 9, "minute": 0}
